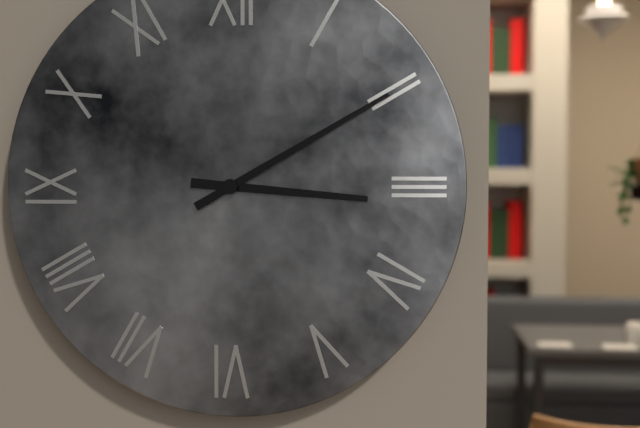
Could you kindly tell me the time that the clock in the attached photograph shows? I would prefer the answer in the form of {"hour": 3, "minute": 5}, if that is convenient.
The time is {"hour": 3, "minute": 10}
